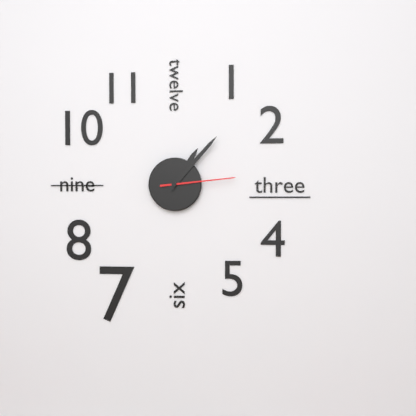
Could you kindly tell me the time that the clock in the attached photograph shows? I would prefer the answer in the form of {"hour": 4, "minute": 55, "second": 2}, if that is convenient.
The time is {"hour": 1, "minute": 7, "second": 14}
